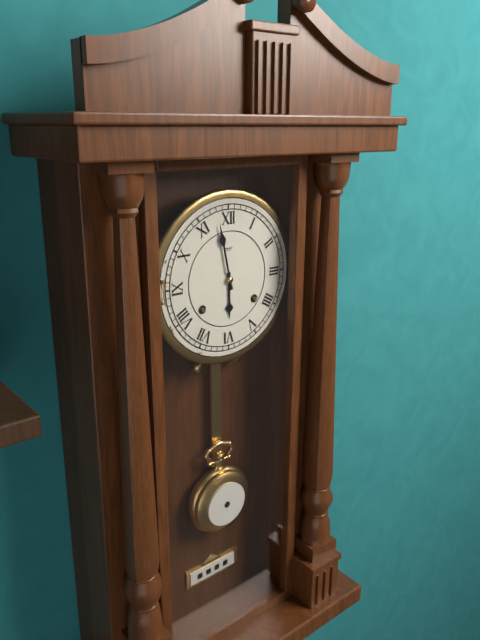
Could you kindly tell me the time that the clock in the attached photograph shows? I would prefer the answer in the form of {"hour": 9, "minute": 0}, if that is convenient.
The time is {"hour": 5, "minute": 58}
